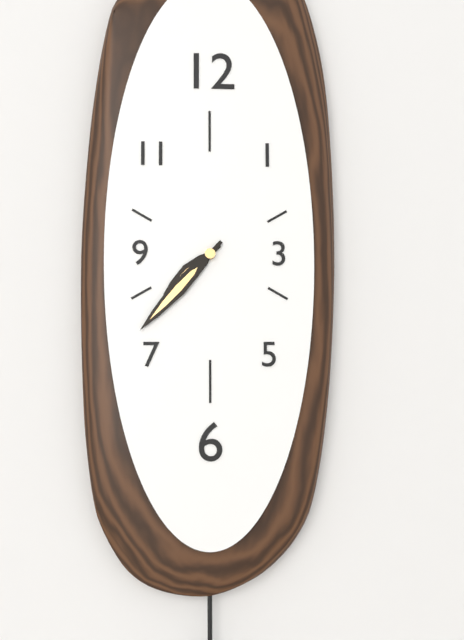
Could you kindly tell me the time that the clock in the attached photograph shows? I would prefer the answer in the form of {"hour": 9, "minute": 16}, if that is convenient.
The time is {"hour": 7, "minute": 37}
